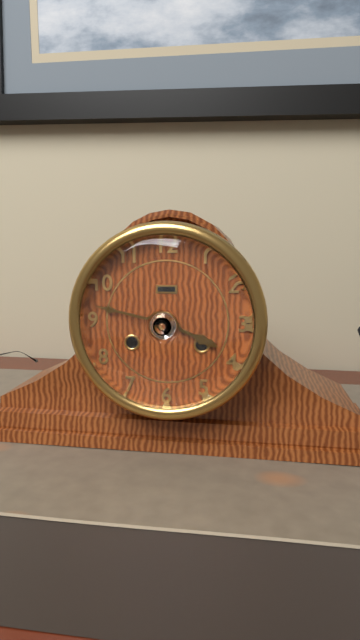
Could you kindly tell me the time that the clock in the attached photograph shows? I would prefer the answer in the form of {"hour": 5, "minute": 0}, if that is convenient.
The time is {"hour": 3, "minute": 47}
